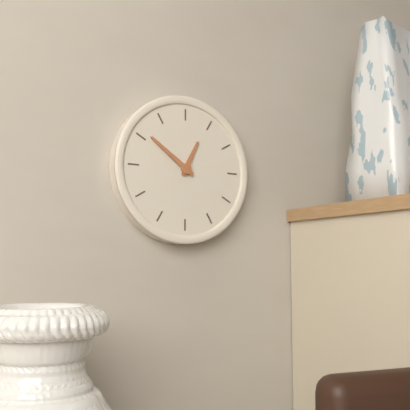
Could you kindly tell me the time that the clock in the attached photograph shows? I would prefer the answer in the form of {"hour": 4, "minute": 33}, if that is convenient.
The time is {"hour": 12, "minute": 51}
